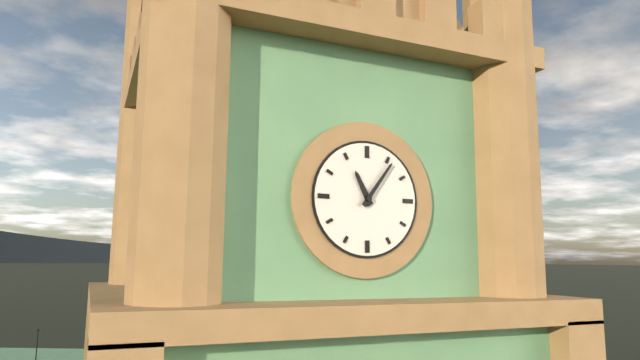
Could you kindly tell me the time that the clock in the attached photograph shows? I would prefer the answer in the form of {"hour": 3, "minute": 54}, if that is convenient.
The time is {"hour": 11, "minute": 6}
